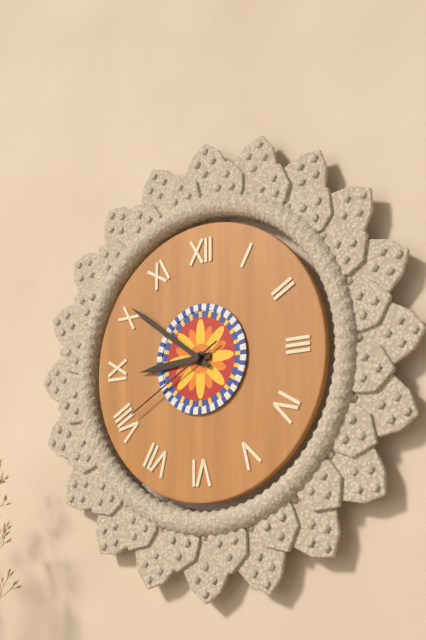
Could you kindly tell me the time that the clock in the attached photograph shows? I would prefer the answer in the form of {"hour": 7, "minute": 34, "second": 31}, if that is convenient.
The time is {"hour": 8, "minute": 51, "second": 40}
